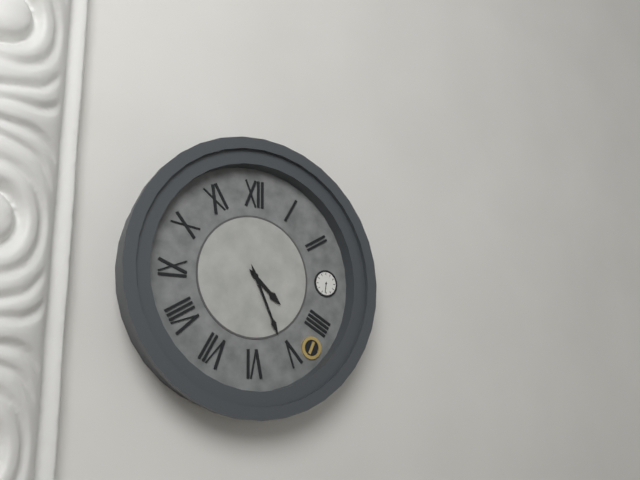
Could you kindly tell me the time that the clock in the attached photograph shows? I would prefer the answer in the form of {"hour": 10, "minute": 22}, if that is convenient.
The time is {"hour": 4, "minute": 26}
